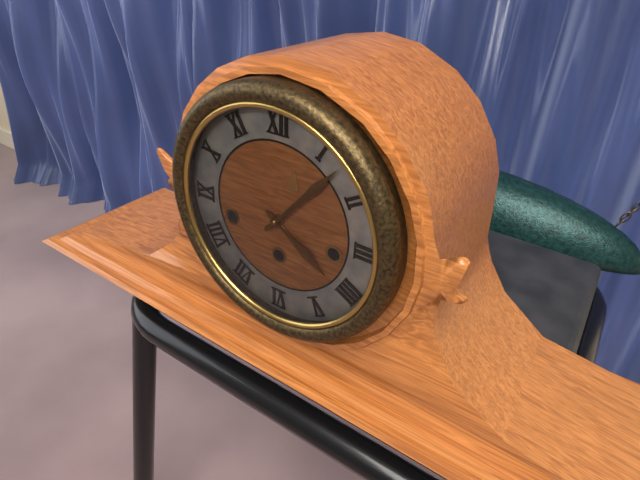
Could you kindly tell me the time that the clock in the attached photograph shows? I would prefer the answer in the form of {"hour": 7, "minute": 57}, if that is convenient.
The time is {"hour": 4, "minute": 7}
